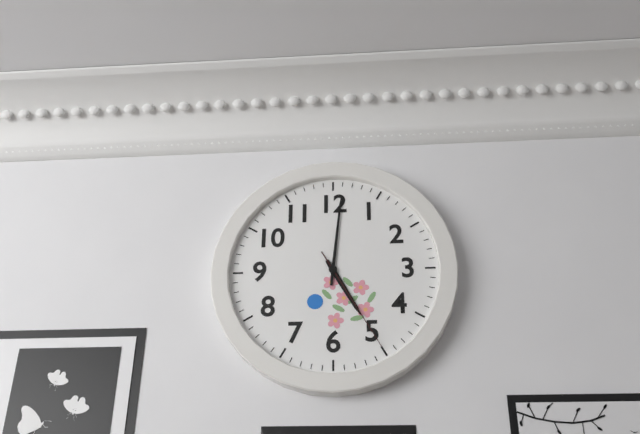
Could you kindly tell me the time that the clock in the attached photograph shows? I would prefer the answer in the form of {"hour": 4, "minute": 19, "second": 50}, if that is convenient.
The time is {"hour": 5, "minute": 1, "second": 25}
